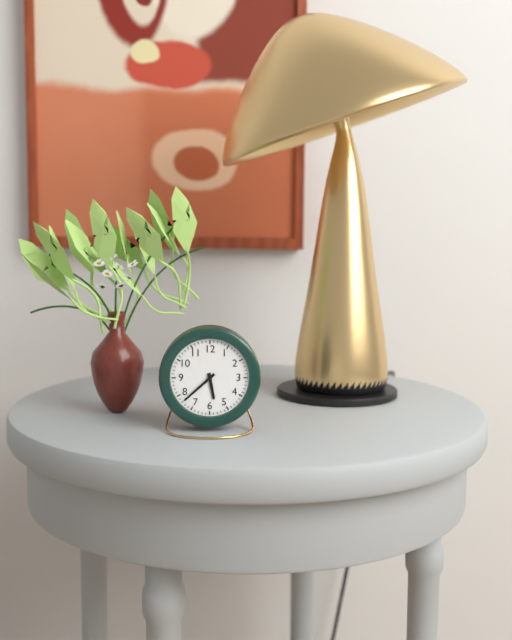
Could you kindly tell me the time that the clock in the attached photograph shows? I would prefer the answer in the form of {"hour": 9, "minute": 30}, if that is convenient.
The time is {"hour": 5, "minute": 38}
